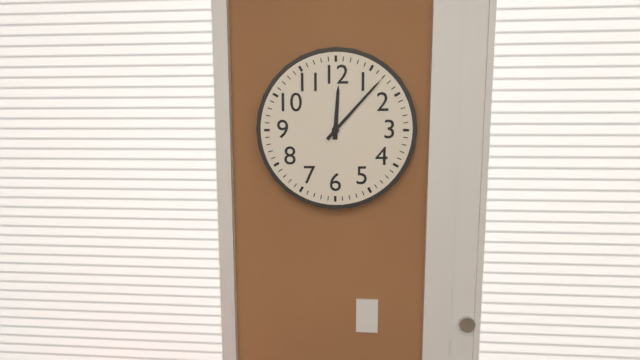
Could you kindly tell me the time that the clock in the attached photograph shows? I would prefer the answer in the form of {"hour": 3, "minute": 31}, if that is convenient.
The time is {"hour": 12, "minute": 7}
